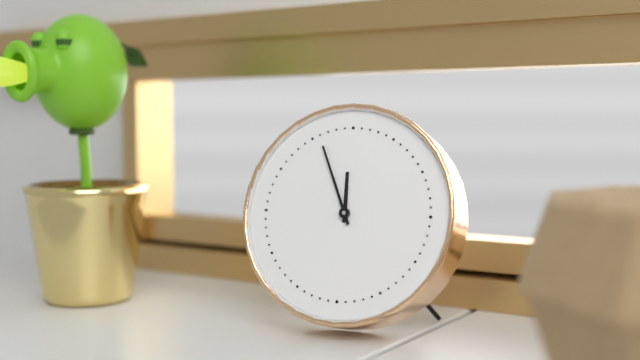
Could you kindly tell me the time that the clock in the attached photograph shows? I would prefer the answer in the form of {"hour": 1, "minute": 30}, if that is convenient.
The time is {"hour": 11, "minute": 56}
